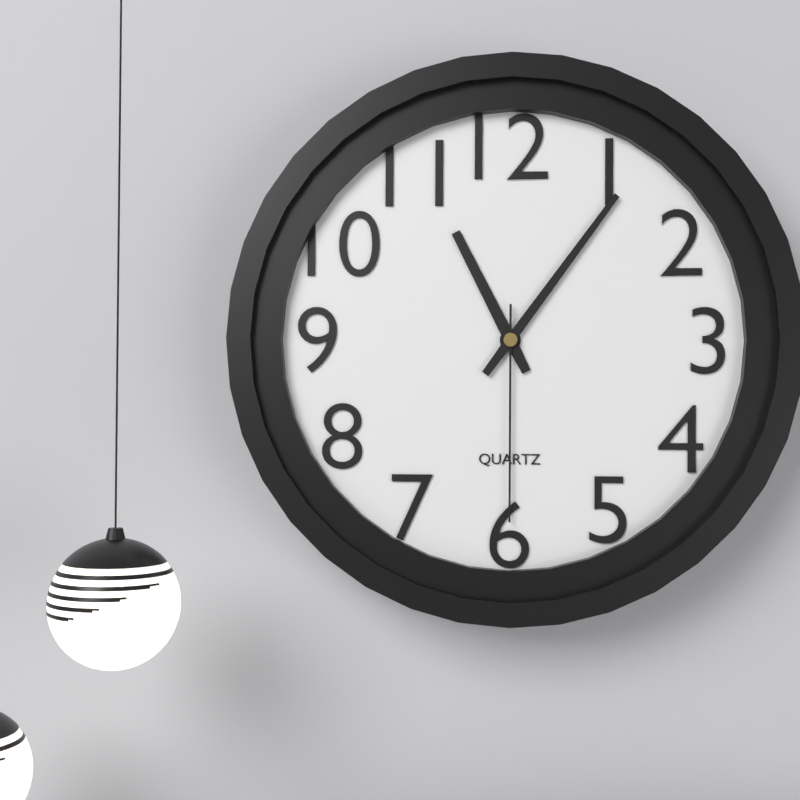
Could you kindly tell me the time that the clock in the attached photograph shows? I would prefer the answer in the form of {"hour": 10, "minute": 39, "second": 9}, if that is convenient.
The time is {"hour": 11, "minute": 6, "second": 30}
